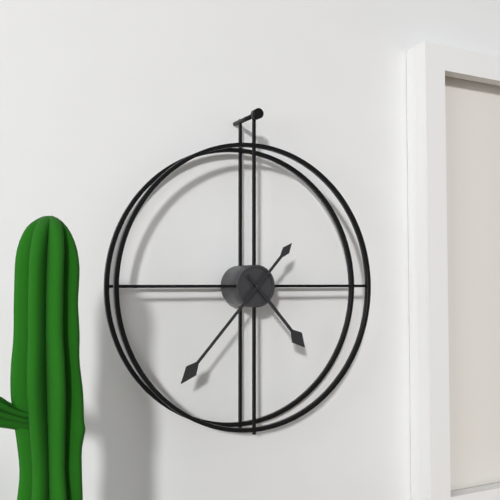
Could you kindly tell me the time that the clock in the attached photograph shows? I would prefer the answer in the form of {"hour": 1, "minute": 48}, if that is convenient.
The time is {"hour": 4, "minute": 37}
